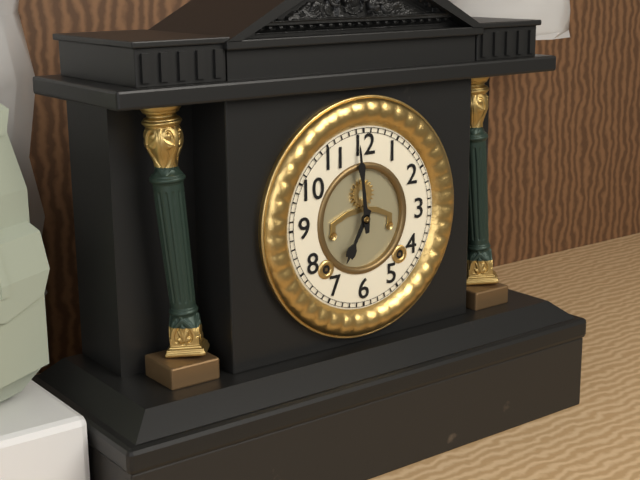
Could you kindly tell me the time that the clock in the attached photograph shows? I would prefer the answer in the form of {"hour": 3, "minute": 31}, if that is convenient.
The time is {"hour": 6, "minute": 59}
